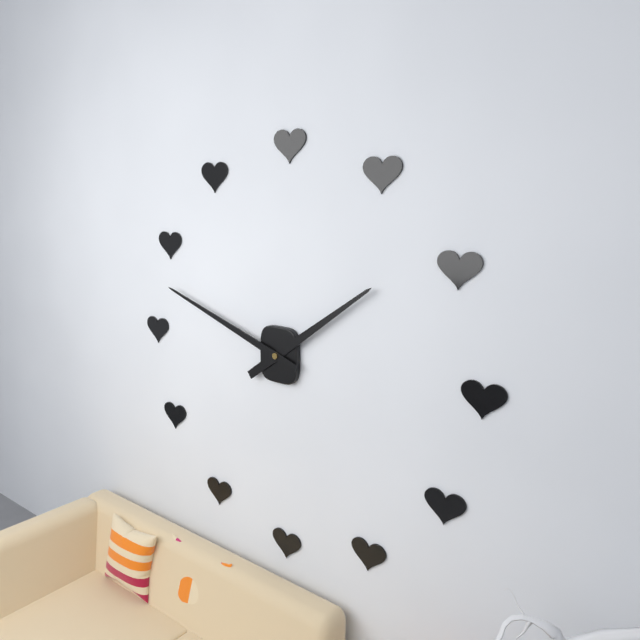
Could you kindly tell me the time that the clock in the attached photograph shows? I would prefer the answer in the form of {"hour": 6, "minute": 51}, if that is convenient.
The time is {"hour": 1, "minute": 48}
